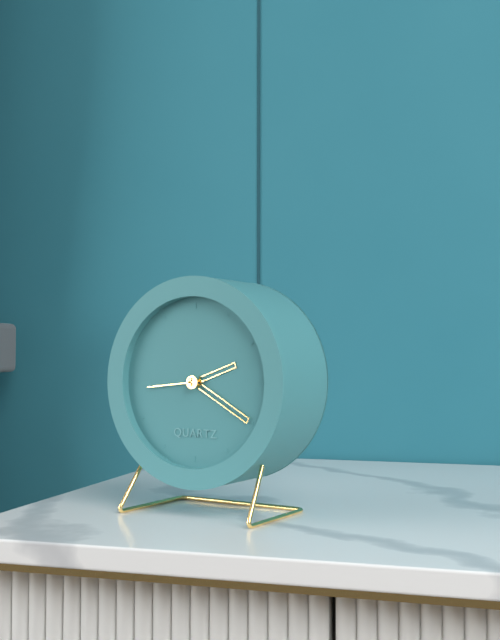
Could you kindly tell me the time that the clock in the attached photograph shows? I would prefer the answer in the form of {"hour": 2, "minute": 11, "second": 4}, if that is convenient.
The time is {"hour": 2, "minute": 20, "second": 44}
